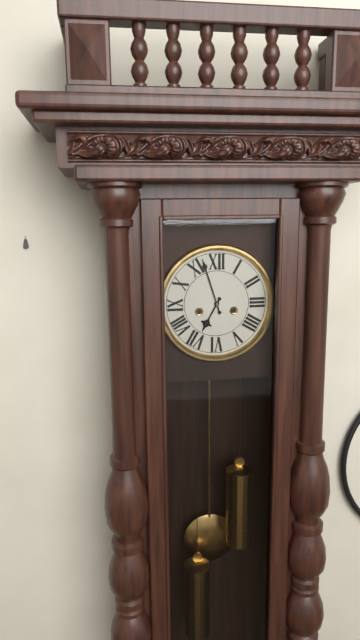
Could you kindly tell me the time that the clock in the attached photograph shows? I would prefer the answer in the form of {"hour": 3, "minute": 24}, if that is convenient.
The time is {"hour": 6, "minute": 57}
